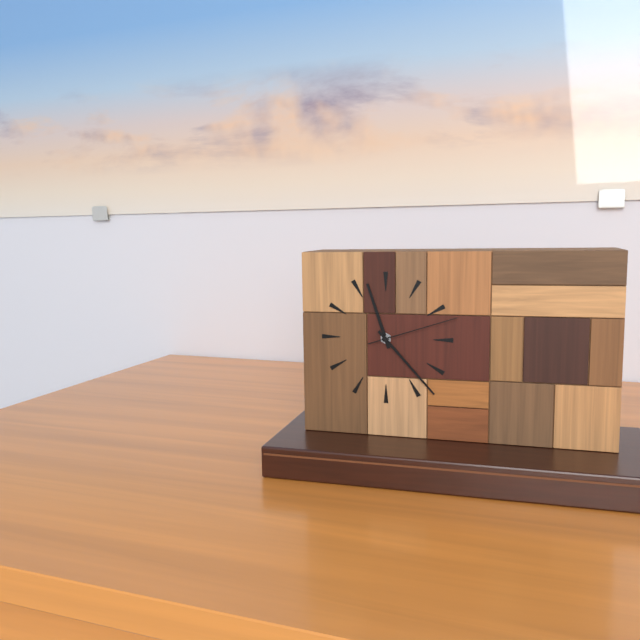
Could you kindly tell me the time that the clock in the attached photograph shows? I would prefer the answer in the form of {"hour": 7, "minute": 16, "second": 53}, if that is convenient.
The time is {"hour": 11, "minute": 23, "second": 12}
